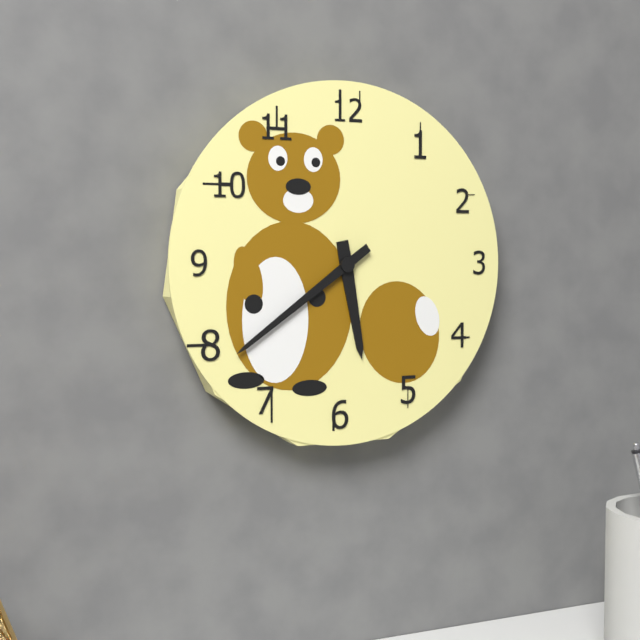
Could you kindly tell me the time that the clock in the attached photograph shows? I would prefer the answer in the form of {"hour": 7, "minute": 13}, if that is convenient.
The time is {"hour": 5, "minute": 39}
